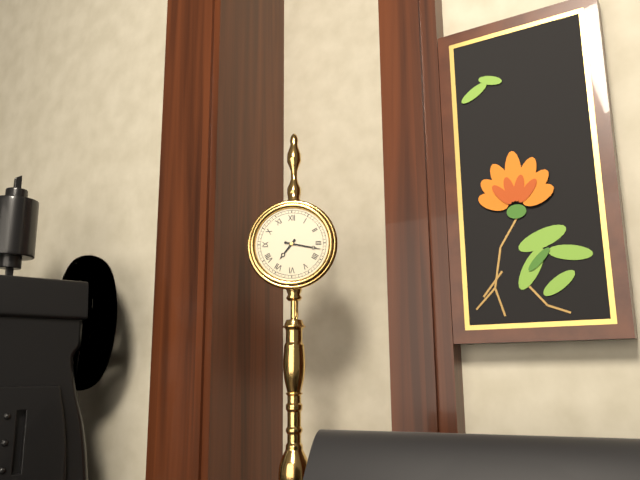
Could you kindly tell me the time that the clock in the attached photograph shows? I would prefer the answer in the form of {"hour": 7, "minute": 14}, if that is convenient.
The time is {"hour": 7, "minute": 17}
